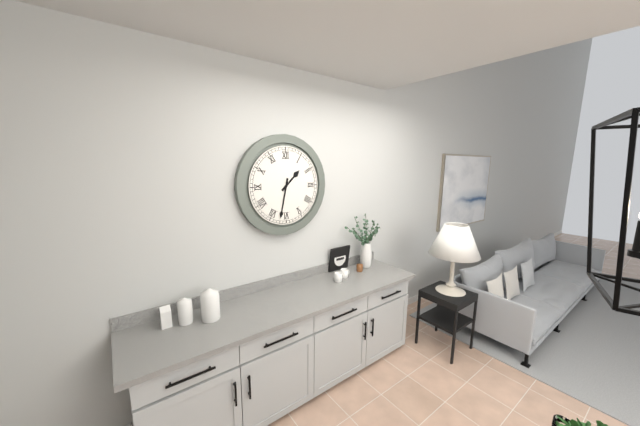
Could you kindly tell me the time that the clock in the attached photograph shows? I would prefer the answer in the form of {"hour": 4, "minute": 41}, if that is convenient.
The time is {"hour": 1, "minute": 32}
